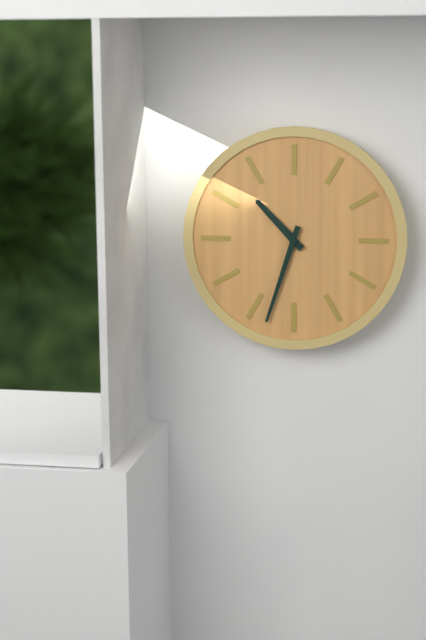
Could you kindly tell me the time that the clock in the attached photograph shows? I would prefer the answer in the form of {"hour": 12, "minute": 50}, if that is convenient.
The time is {"hour": 10, "minute": 33}
